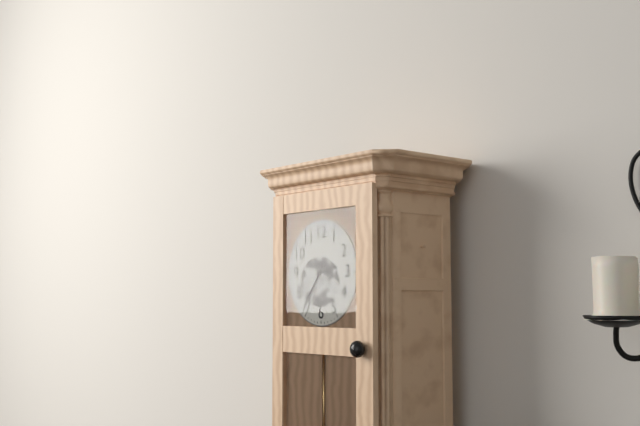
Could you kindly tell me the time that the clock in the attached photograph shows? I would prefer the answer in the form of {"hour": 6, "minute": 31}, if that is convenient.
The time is {"hour": 2, "minute": 36}
